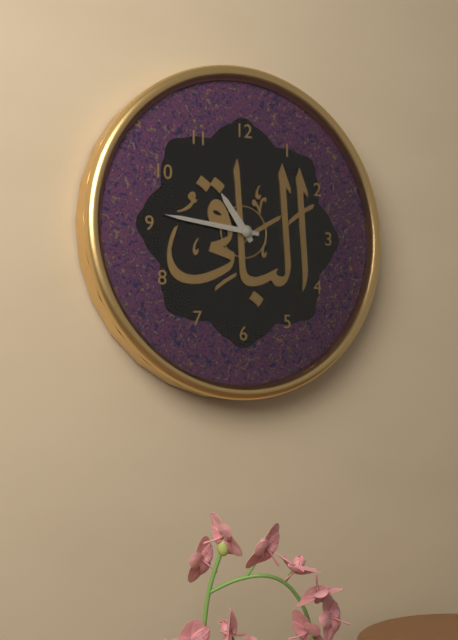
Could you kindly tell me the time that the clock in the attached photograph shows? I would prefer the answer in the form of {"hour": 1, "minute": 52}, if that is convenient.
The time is {"hour": 10, "minute": 46}
